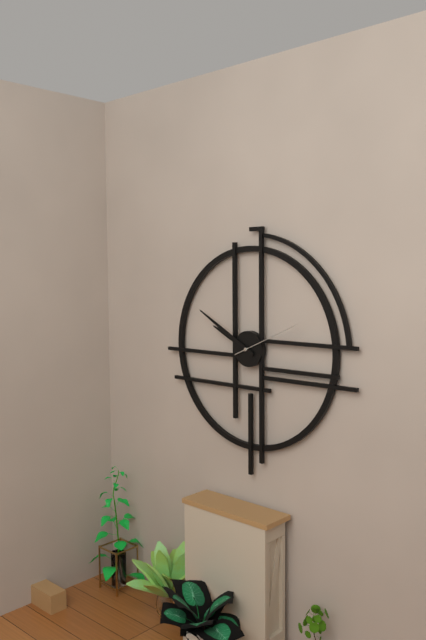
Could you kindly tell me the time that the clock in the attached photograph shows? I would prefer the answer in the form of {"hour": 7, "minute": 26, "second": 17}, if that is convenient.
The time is {"hour": 9, "minute": 50, "second": 11}
